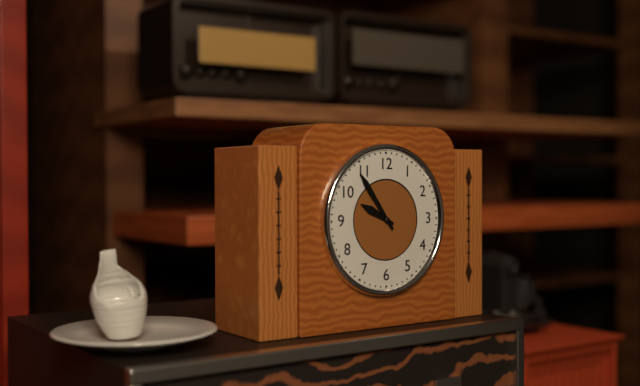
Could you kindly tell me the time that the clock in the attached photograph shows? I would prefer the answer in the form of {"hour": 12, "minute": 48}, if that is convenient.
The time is {"hour": 9, "minute": 54}
